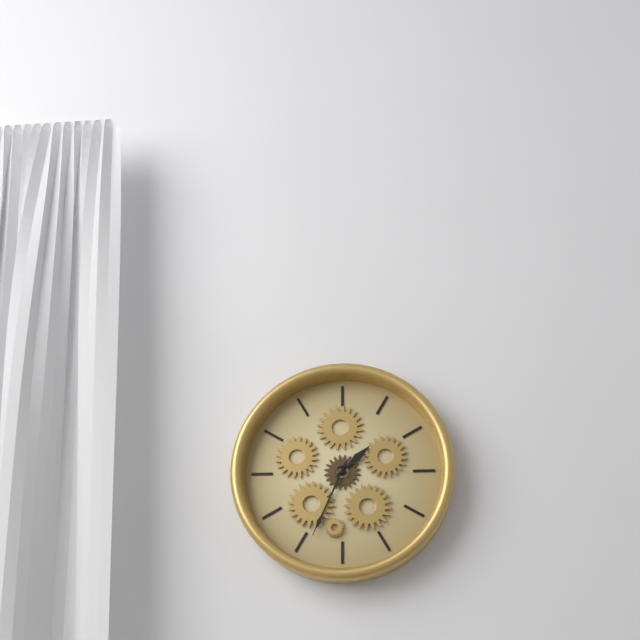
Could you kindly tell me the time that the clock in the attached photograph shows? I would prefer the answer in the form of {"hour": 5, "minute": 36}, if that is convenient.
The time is {"hour": 1, "minute": 34}
